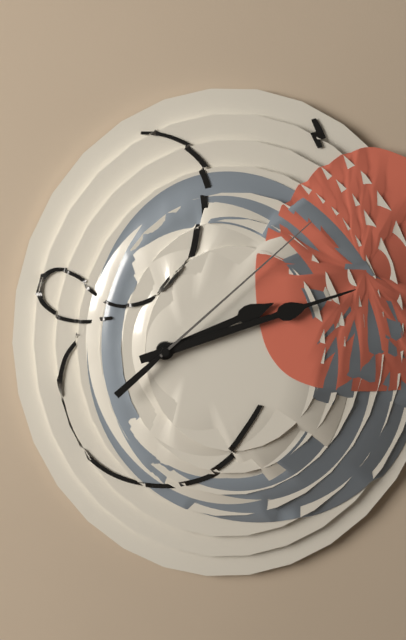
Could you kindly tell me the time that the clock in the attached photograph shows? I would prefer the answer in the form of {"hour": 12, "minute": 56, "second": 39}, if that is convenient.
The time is {"hour": 2, "minute": 12, "second": 8}
